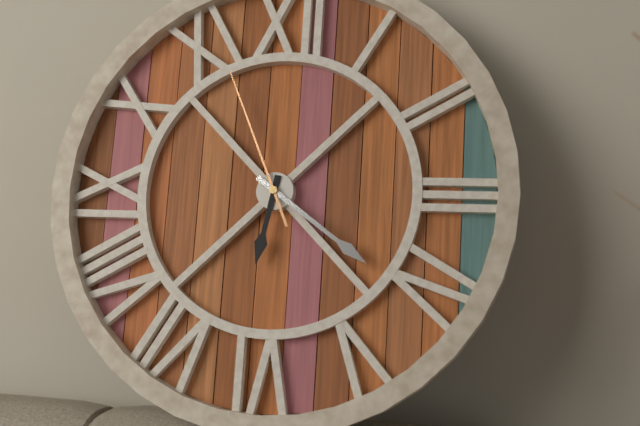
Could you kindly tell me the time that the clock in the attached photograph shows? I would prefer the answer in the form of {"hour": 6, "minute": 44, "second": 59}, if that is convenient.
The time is {"hour": 6, "minute": 21, "second": 56}
